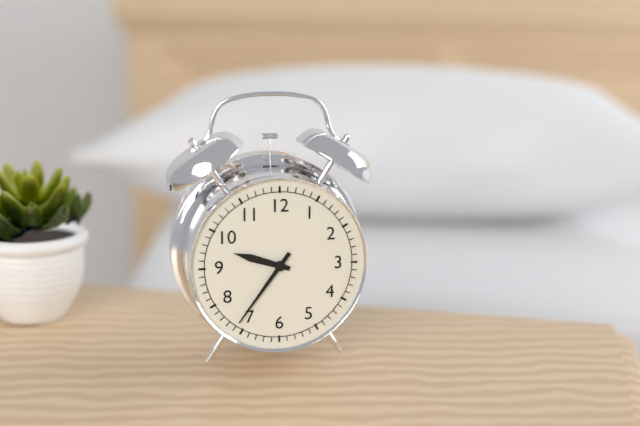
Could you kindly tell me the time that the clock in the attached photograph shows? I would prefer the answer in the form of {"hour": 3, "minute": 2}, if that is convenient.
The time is {"hour": 9, "minute": 36}
